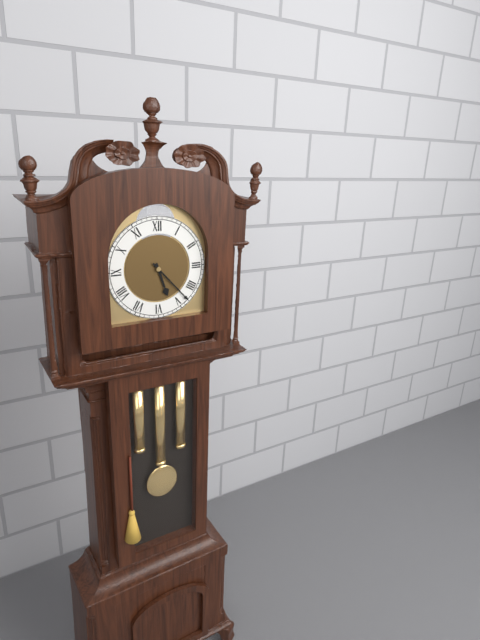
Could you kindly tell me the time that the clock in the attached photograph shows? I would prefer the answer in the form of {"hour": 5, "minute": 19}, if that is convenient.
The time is {"hour": 5, "minute": 23}
